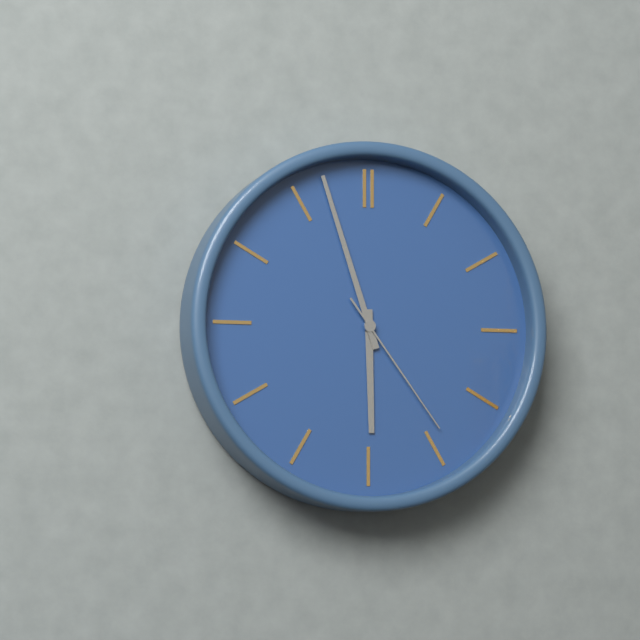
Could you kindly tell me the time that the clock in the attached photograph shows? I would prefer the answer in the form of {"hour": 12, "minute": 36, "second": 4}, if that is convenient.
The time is {"hour": 5, "minute": 57, "second": 24}
